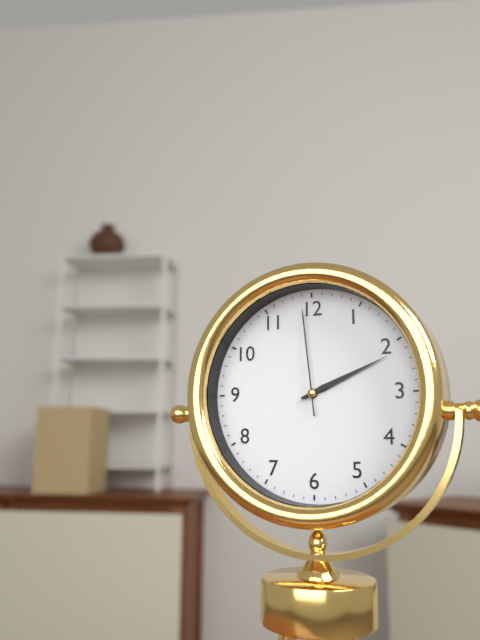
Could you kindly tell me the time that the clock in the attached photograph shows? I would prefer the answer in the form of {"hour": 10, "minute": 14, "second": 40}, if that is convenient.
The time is {"hour": 2, "minute": 11, "second": 59}
